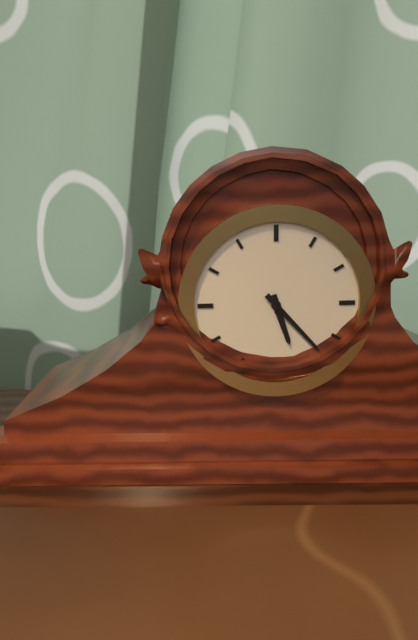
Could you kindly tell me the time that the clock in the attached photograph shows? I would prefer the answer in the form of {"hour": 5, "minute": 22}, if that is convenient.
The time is {"hour": 5, "minute": 23}
